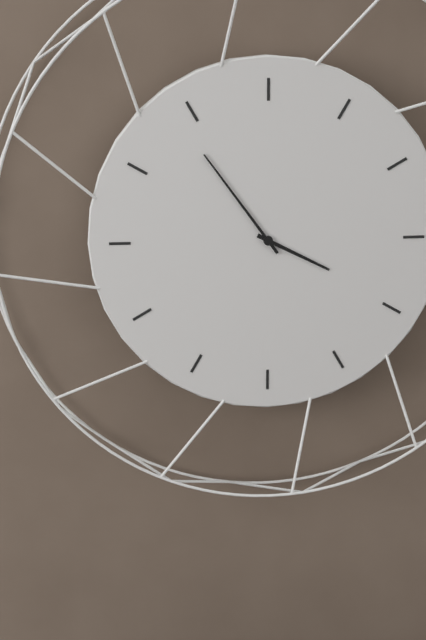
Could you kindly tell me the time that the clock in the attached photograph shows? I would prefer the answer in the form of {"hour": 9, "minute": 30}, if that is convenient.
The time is {"hour": 3, "minute": 54}
